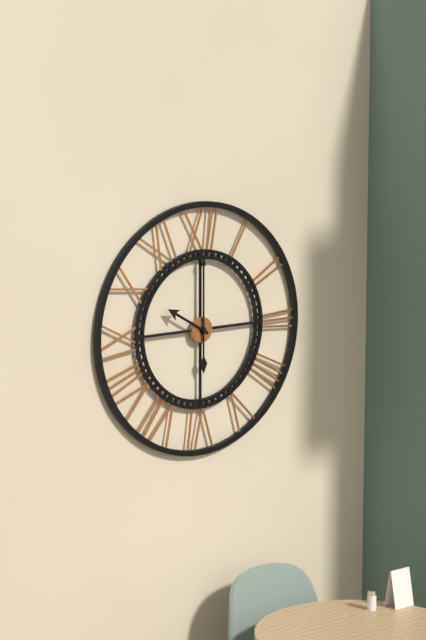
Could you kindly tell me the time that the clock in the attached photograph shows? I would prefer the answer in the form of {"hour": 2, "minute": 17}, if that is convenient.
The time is {"hour": 10, "minute": 0}
